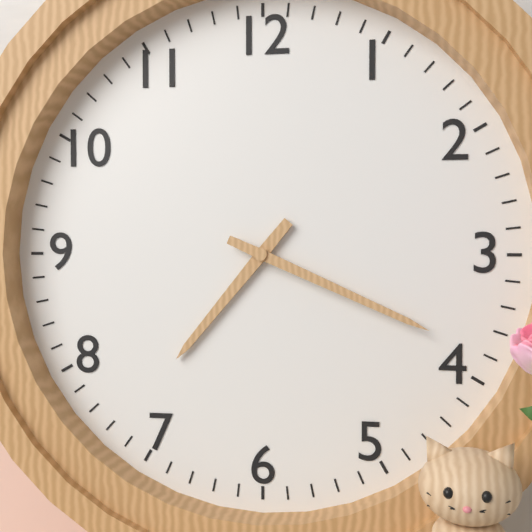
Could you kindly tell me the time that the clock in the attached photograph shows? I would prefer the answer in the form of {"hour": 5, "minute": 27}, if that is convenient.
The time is {"hour": 7, "minute": 19}
